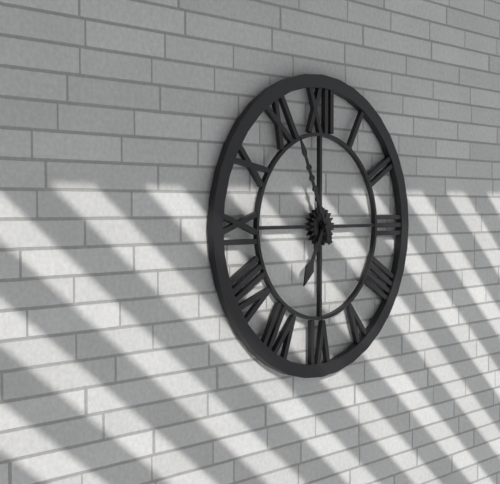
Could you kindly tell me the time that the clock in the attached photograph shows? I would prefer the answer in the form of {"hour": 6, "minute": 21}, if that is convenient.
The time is {"hour": 6, "minute": 56}
